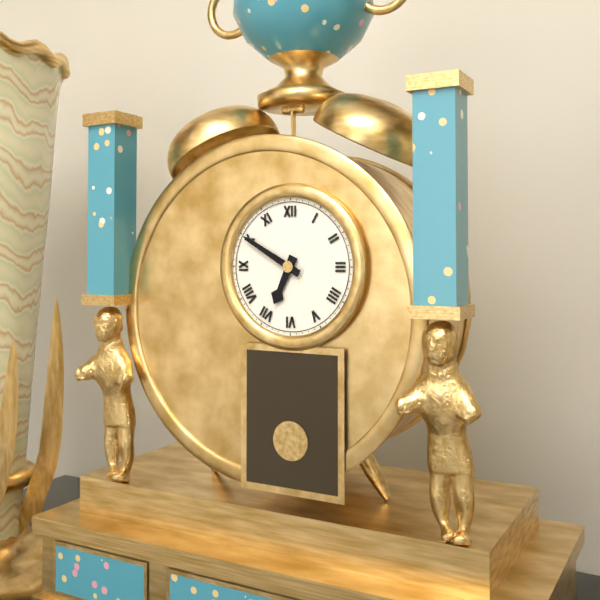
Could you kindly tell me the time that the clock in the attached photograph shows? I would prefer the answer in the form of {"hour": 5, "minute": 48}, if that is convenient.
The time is {"hour": 6, "minute": 50}
